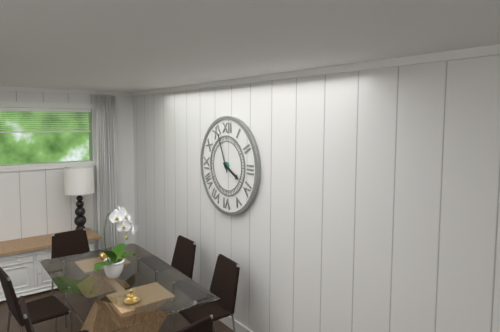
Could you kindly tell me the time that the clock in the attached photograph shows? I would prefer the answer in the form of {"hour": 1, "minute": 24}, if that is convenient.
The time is {"hour": 3, "minute": 56}
